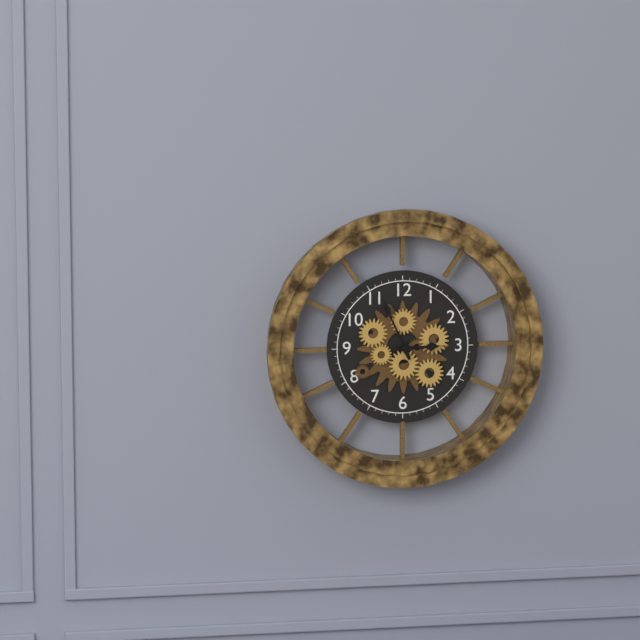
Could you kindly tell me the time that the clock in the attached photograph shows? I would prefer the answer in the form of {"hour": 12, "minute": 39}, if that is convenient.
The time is {"hour": 2, "minute": 56}
